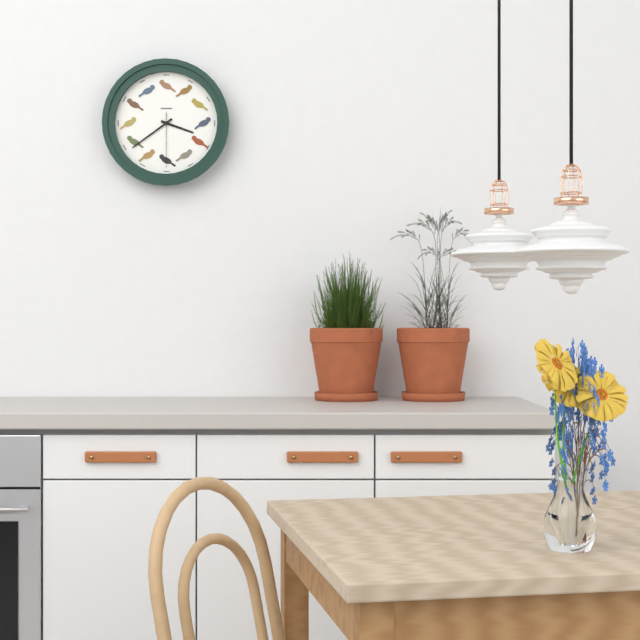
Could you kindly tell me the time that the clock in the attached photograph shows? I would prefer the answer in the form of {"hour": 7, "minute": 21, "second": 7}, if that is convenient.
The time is {"hour": 3, "minute": 39, "second": 30}
